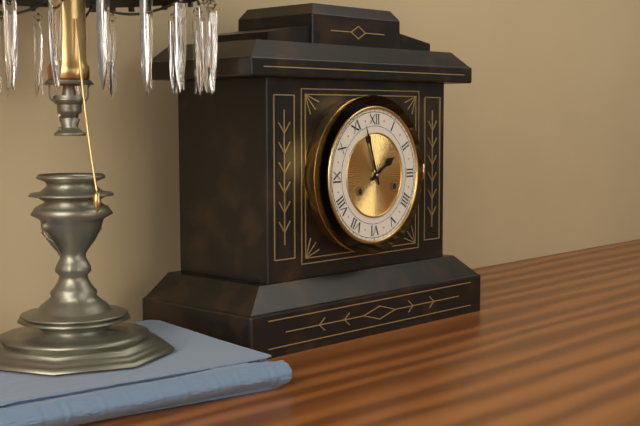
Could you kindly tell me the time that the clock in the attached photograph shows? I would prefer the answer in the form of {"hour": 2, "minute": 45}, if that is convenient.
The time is {"hour": 1, "minute": 57}
